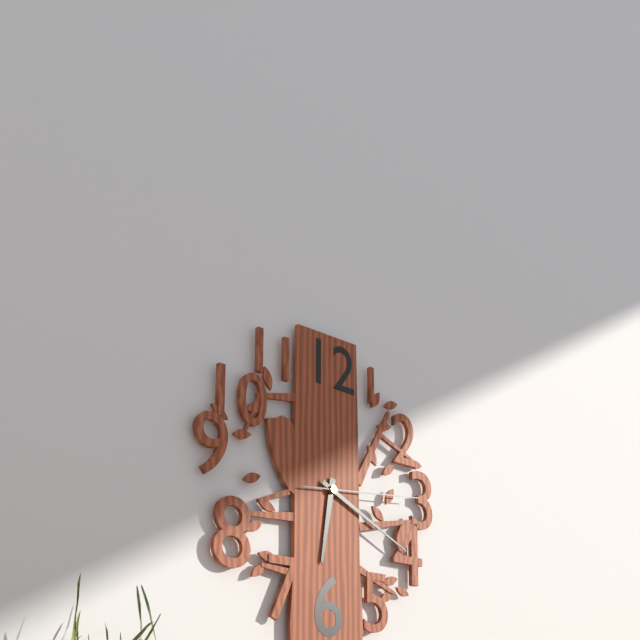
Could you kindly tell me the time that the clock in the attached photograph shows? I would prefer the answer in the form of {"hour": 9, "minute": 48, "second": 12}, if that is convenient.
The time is {"hour": 6, "minute": 19, "second": 14}
